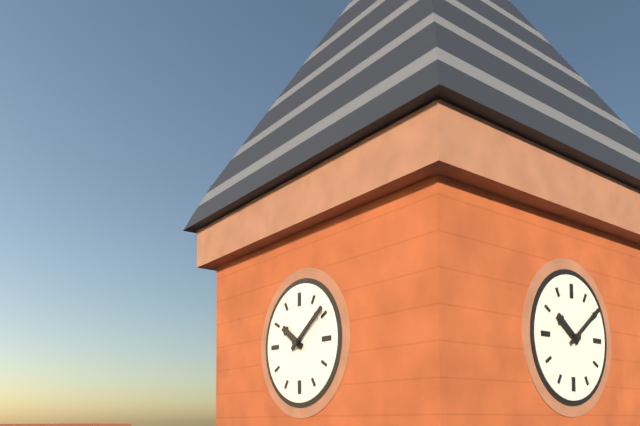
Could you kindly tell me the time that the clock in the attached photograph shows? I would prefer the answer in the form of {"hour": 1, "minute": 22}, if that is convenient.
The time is {"hour": 10, "minute": 9}
